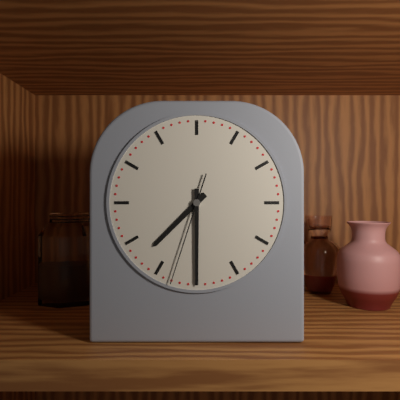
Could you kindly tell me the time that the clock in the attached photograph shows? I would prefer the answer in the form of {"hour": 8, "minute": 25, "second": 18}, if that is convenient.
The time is {"hour": 7, "minute": 30, "second": 33}
